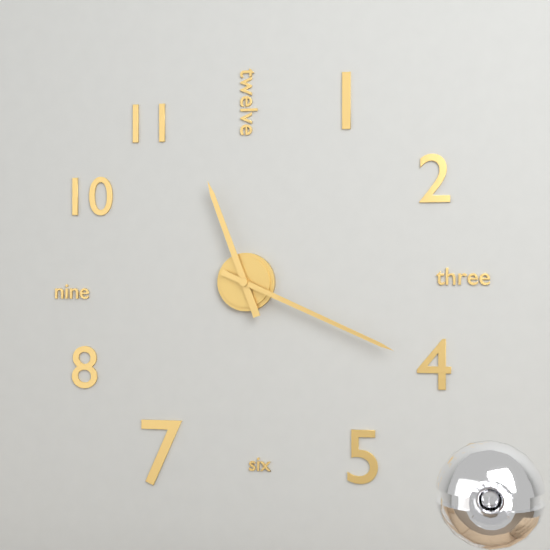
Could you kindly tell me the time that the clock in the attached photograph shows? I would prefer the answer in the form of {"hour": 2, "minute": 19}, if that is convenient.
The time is {"hour": 11, "minute": 19}
